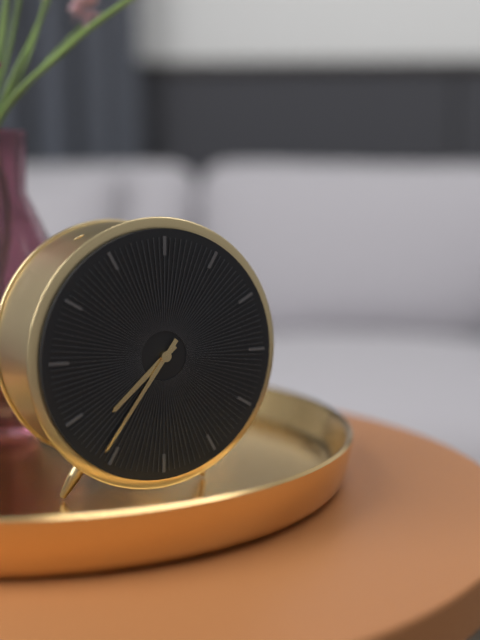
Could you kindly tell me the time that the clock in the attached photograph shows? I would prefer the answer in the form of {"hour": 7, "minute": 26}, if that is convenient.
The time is {"hour": 7, "minute": 36}
